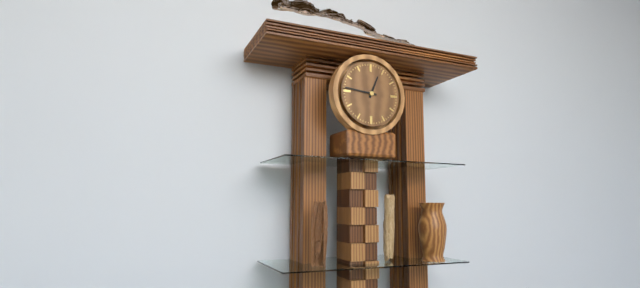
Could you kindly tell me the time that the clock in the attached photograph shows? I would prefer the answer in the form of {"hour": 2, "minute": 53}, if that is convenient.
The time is {"hour": 12, "minute": 46}
